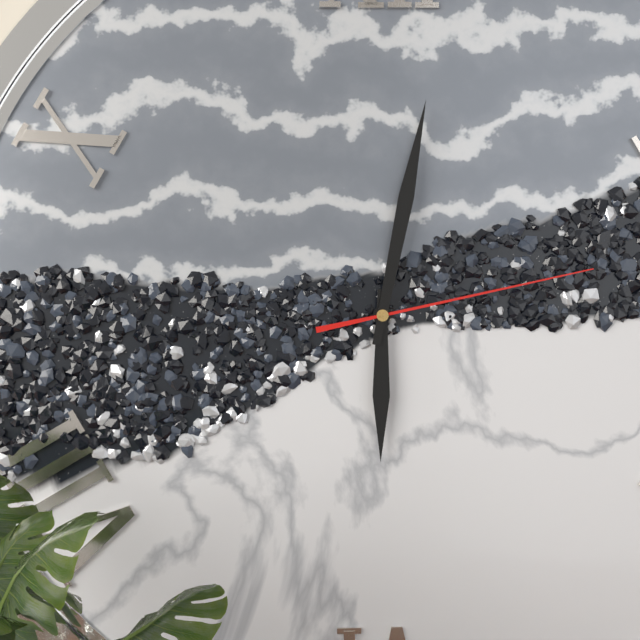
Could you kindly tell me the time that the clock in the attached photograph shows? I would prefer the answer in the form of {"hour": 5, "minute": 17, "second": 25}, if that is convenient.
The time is {"hour": 6, "minute": 2, "second": 13}
